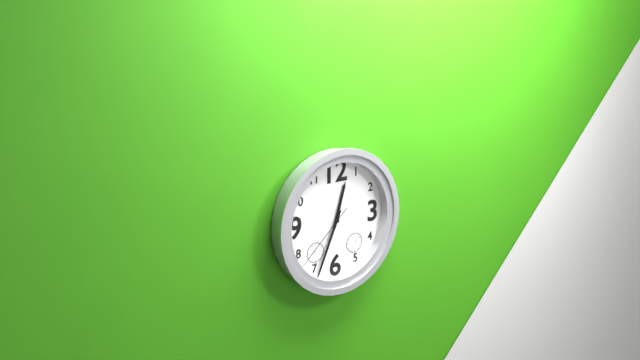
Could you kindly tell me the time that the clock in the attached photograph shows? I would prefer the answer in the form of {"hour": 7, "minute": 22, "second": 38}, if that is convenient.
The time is {"hour": 12, "minute": 34, "second": 38}
